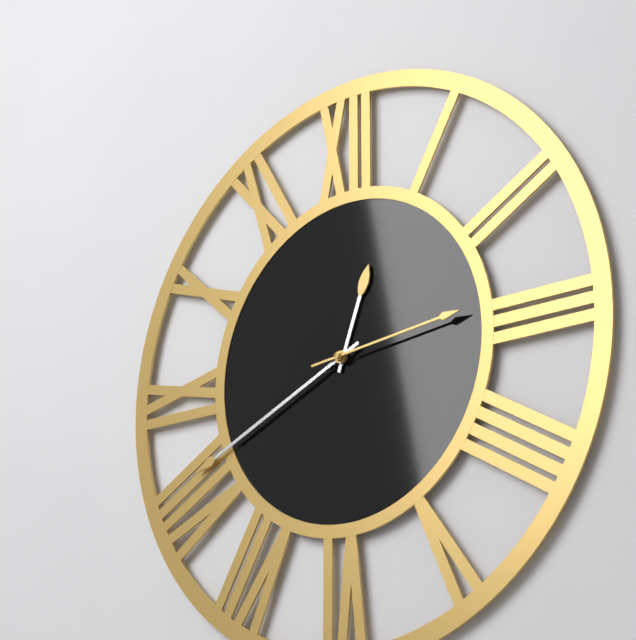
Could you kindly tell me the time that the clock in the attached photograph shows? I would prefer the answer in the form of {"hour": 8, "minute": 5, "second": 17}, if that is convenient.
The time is {"hour": 12, "minute": 41, "second": 14}
